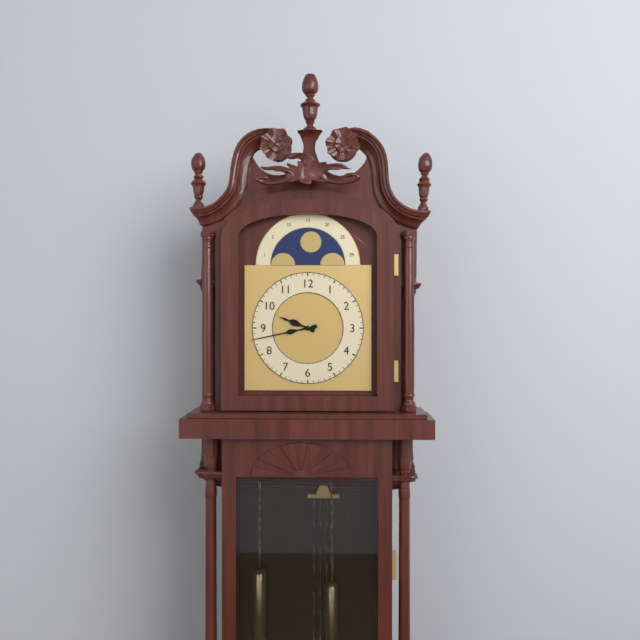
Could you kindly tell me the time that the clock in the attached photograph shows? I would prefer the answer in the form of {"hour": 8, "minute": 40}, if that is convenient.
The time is {"hour": 9, "minute": 43}
